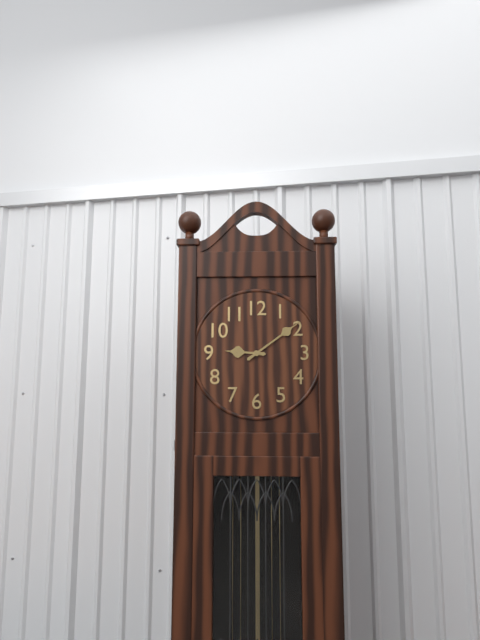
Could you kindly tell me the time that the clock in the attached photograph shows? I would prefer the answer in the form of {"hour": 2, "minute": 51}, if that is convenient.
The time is {"hour": 9, "minute": 9}
